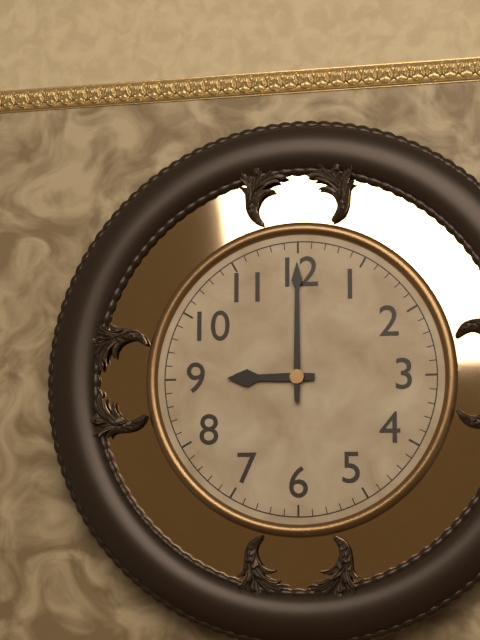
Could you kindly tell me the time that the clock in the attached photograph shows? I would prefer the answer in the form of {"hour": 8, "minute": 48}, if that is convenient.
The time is {"hour": 9, "minute": 0}
